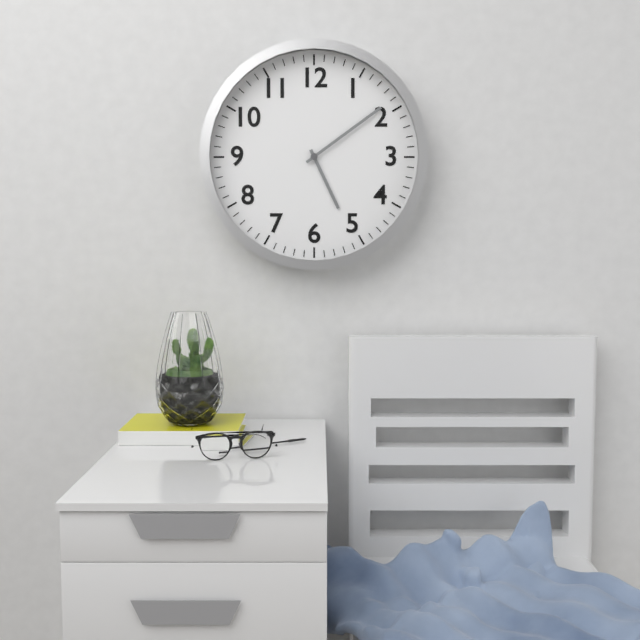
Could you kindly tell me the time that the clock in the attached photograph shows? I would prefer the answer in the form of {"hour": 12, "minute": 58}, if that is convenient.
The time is {"hour": 5, "minute": 9}
